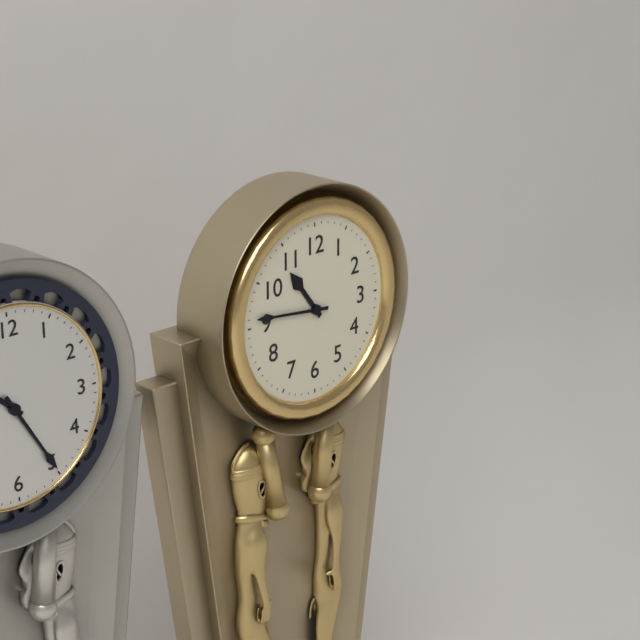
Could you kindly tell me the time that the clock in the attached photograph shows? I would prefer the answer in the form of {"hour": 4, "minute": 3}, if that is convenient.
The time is {"hour": 10, "minute": 46}
